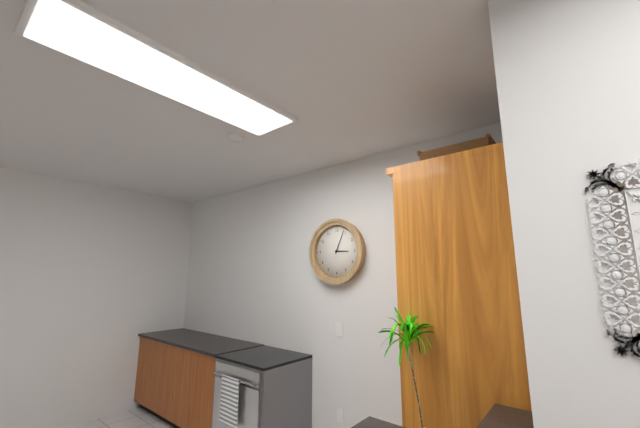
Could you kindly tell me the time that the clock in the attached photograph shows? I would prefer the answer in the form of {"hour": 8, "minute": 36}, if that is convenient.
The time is {"hour": 3, "minute": 4}
